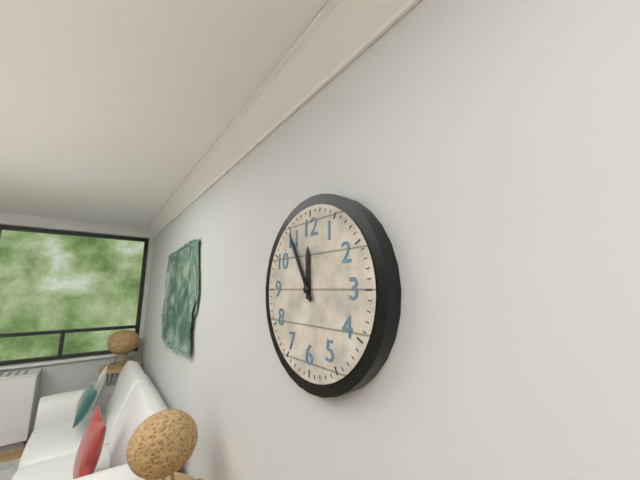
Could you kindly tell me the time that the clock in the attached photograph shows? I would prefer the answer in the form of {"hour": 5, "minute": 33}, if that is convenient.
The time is {"hour": 11, "minute": 55}
